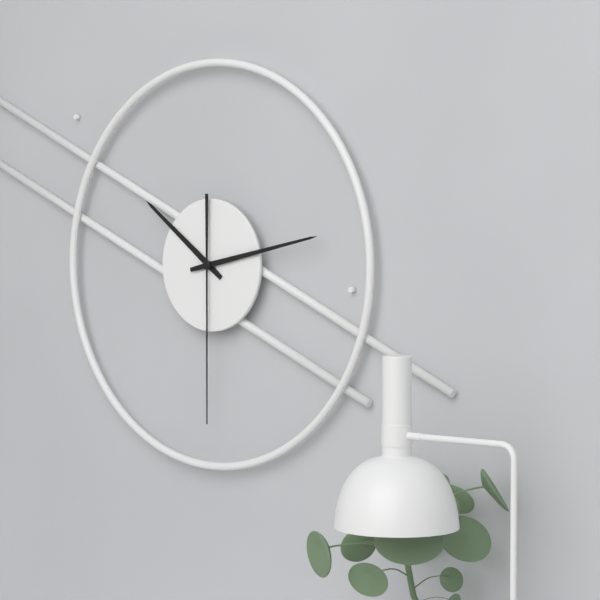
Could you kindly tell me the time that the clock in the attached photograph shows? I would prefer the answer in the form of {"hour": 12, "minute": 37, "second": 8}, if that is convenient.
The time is {"hour": 10, "minute": 13, "second": 30}
